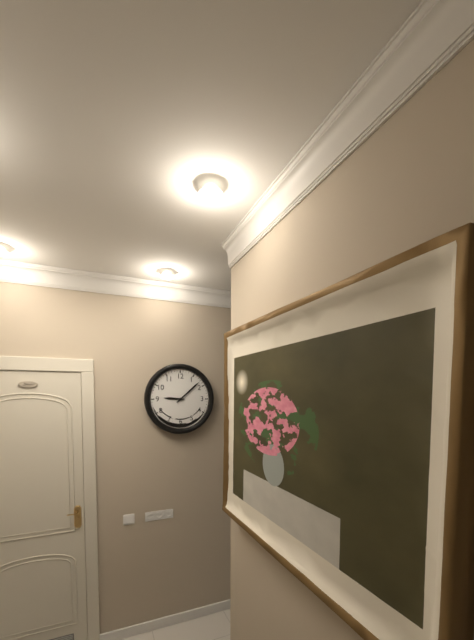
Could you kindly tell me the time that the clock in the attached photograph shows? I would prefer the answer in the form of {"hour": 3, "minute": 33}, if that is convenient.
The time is {"hour": 9, "minute": 8}
